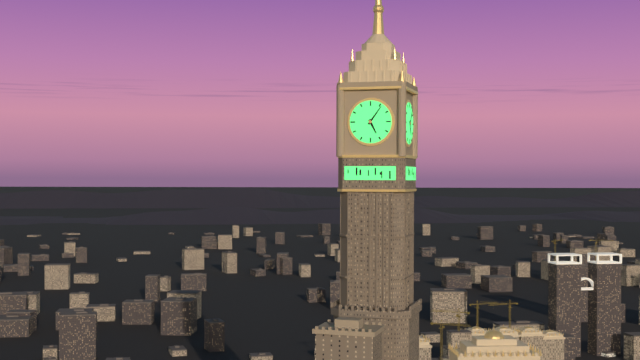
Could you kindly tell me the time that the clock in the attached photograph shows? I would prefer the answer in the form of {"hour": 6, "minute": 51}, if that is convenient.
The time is {"hour": 5, "minute": 6}
